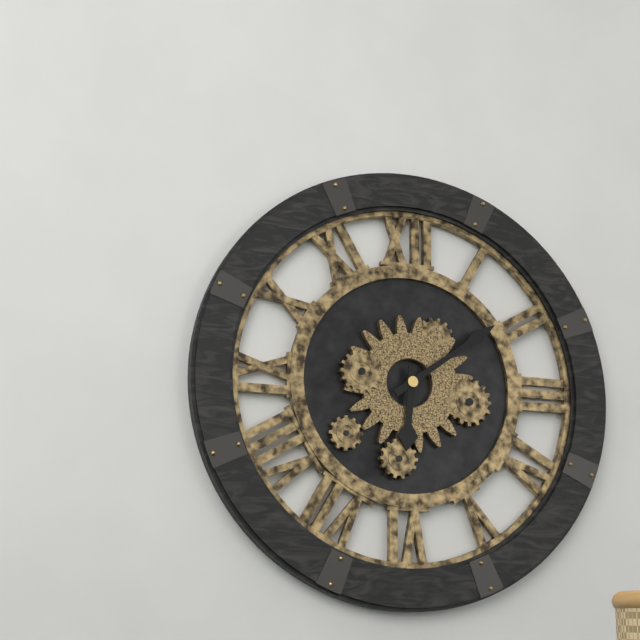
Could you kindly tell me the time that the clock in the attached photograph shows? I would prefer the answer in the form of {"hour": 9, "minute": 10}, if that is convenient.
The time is {"hour": 6, "minute": 9}
